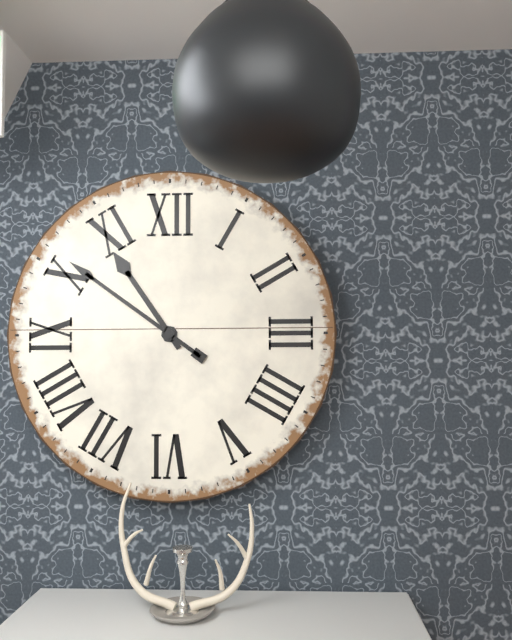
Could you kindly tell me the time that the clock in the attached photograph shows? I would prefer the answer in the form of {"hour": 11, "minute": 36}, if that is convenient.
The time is {"hour": 10, "minute": 51}
